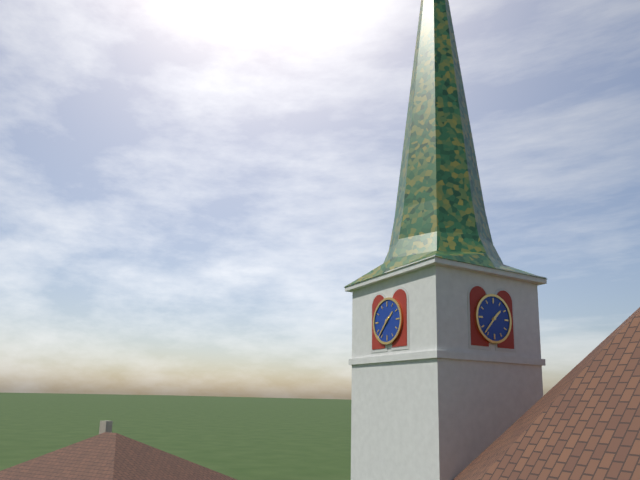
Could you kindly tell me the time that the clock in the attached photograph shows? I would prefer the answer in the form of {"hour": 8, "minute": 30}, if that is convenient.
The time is {"hour": 1, "minute": 37}
